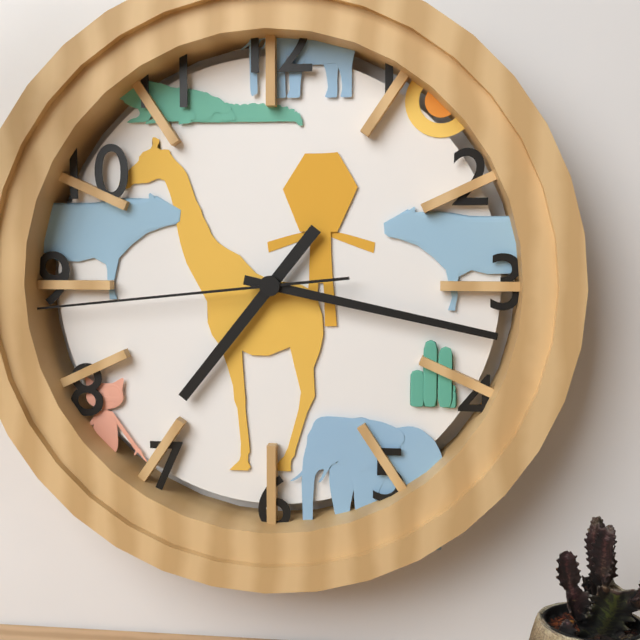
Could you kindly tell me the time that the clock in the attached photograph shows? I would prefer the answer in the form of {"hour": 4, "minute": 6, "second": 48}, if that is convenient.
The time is {"hour": 7, "minute": 17, "second": 44}
